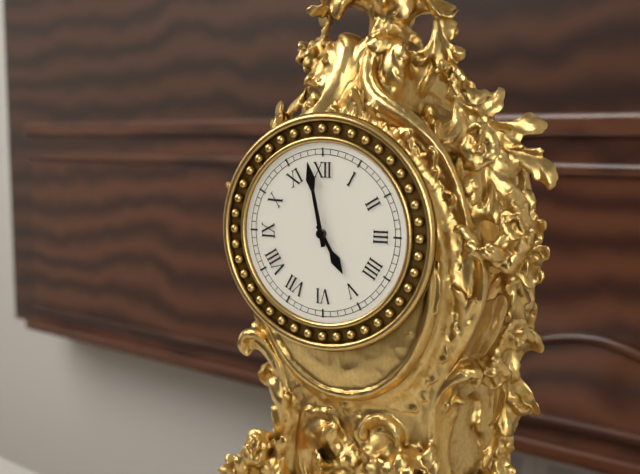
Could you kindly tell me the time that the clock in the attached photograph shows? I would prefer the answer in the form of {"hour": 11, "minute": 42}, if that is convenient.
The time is {"hour": 4, "minute": 58}
